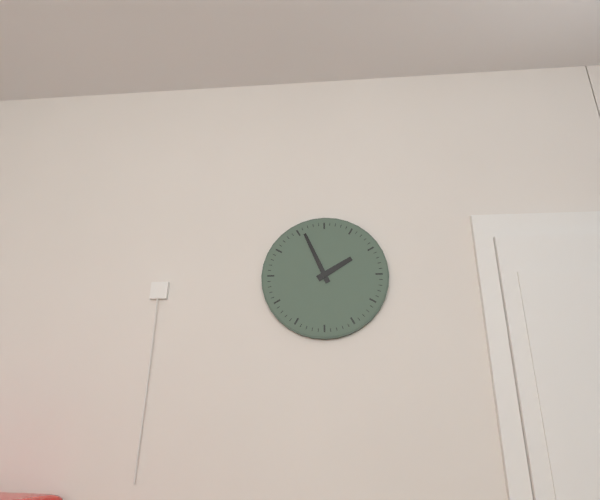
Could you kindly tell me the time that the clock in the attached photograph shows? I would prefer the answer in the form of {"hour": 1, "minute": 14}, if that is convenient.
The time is {"hour": 1, "minute": 56}
